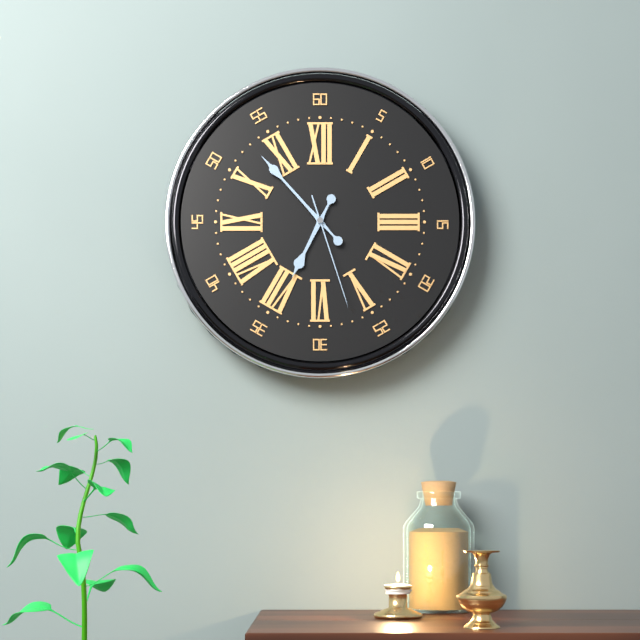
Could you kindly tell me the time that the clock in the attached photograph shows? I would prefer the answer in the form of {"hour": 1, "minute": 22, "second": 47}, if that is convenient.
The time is {"hour": 6, "minute": 53, "second": 27}
